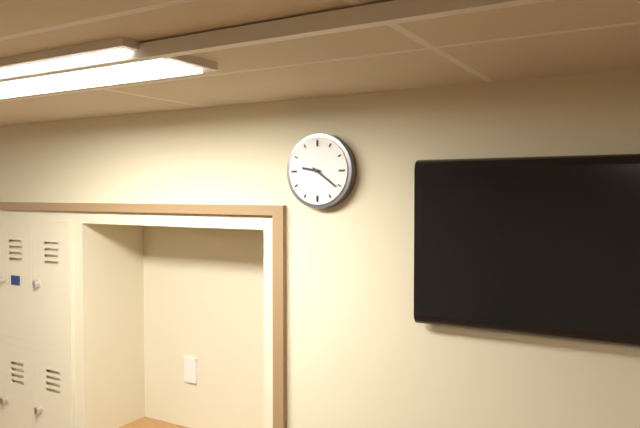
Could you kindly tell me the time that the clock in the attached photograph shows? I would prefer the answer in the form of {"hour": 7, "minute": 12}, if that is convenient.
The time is {"hour": 9, "minute": 21}
